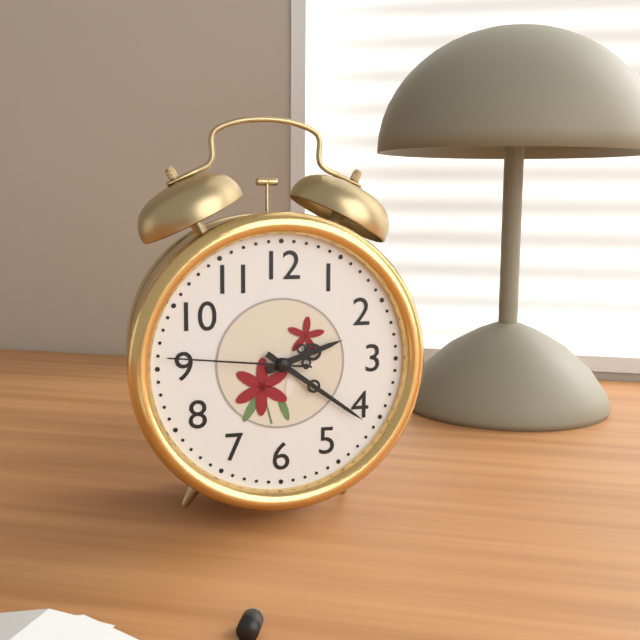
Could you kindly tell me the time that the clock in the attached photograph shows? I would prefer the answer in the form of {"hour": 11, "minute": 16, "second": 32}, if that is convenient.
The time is {"hour": 2, "minute": 21, "second": 46}
